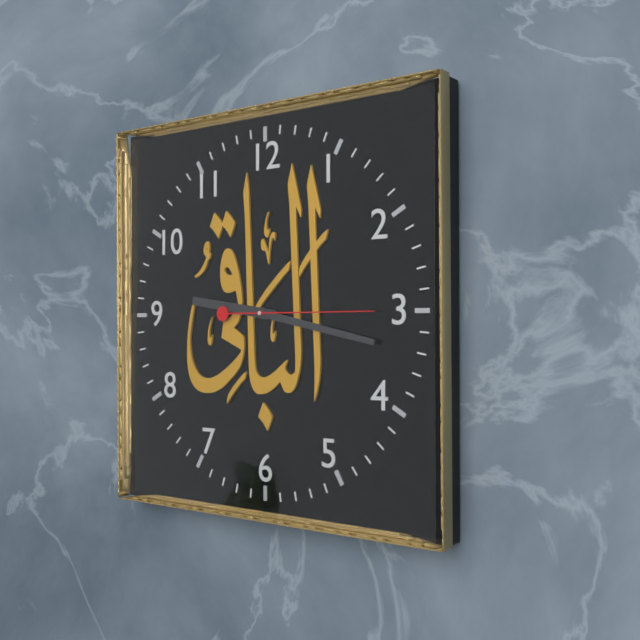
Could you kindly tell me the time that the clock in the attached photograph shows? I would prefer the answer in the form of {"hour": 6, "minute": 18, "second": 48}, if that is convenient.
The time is {"hour": 9, "minute": 17, "second": 15}
